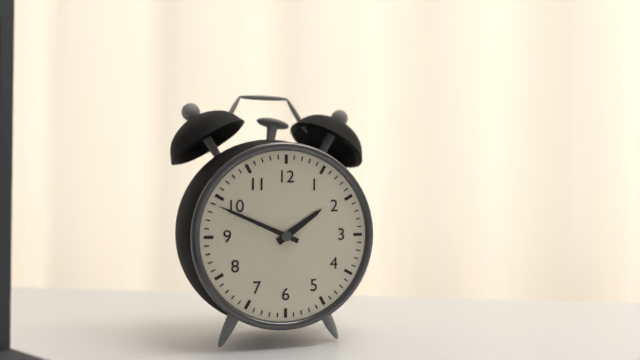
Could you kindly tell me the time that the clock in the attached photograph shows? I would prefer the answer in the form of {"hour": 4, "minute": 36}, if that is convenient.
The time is {"hour": 1, "minute": 49}
